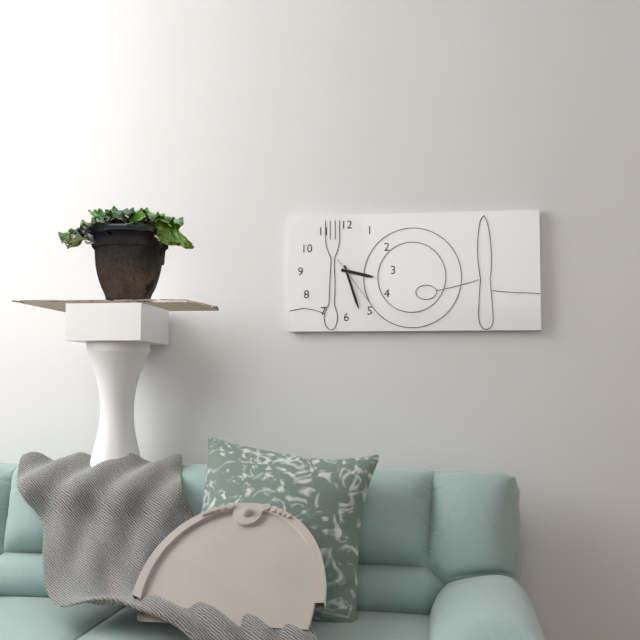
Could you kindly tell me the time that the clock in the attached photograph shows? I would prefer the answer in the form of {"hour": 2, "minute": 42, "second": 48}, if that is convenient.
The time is {"hour": 3, "minute": 27, "second": 24}
